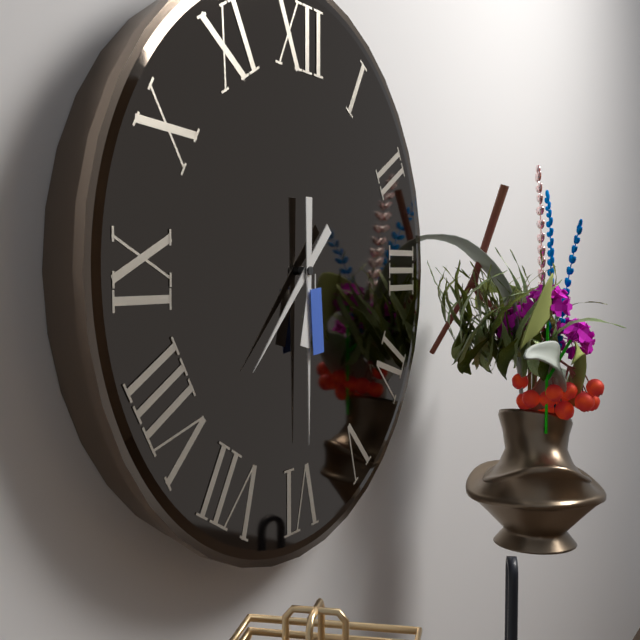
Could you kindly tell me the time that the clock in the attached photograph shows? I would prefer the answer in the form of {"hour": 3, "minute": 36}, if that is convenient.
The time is {"hour": 7, "minute": 30}
